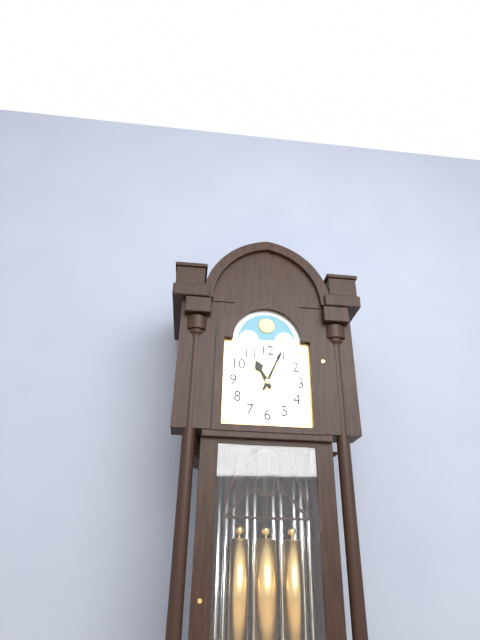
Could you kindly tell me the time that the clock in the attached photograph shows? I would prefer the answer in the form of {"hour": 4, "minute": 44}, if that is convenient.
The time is {"hour": 11, "minute": 4}
